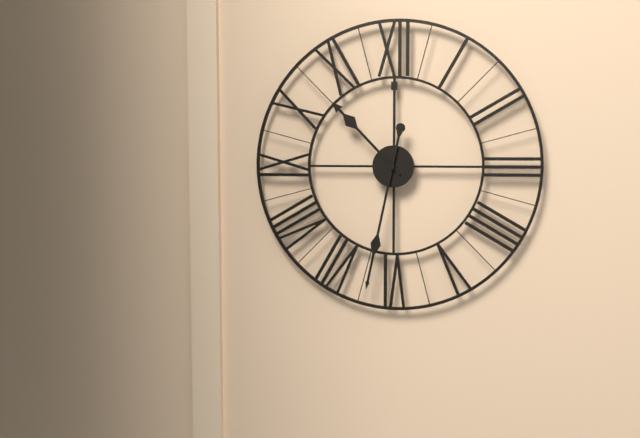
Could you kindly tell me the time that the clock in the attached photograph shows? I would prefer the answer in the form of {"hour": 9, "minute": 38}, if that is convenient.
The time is {"hour": 10, "minute": 32}
